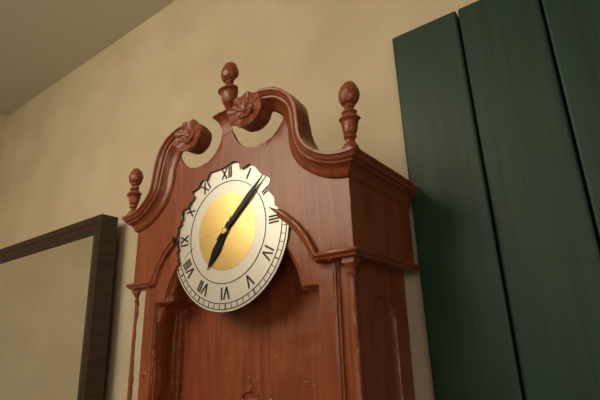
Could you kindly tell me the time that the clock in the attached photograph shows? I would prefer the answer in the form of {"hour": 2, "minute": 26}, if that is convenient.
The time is {"hour": 7, "minute": 8}
